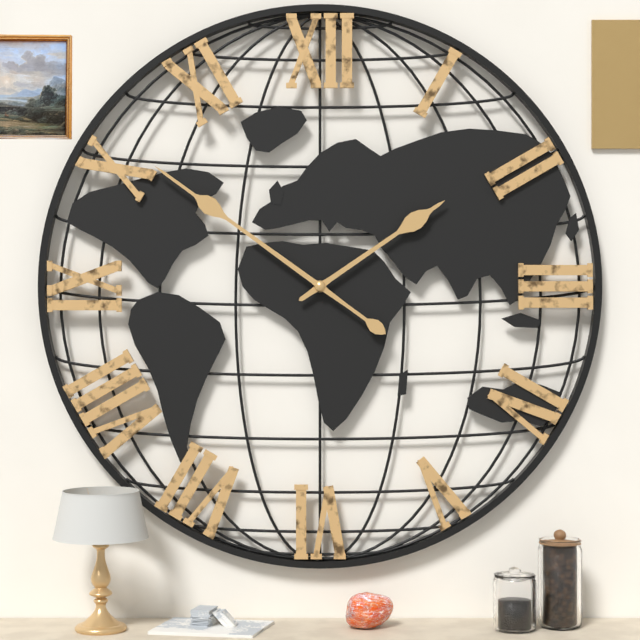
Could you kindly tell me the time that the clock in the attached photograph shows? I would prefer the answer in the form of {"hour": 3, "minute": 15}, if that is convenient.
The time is {"hour": 1, "minute": 51}
